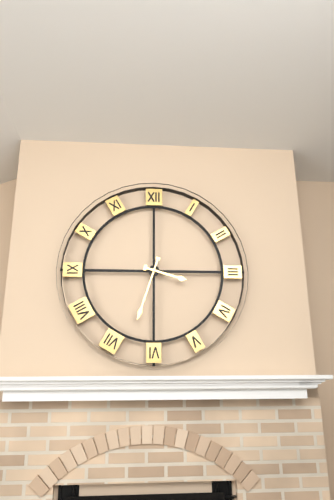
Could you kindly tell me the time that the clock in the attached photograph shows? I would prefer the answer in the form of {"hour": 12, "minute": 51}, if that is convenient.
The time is {"hour": 3, "minute": 33}
